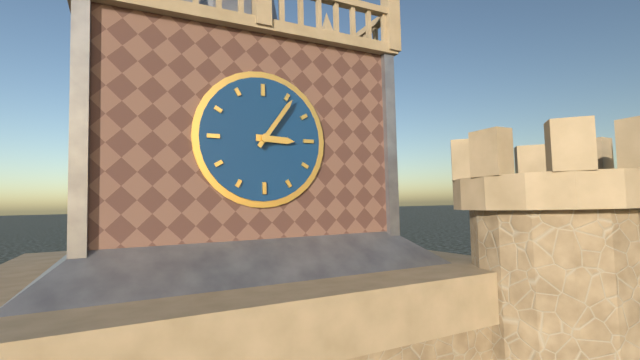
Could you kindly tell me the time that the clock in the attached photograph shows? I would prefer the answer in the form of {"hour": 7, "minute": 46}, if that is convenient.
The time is {"hour": 3, "minute": 6}
